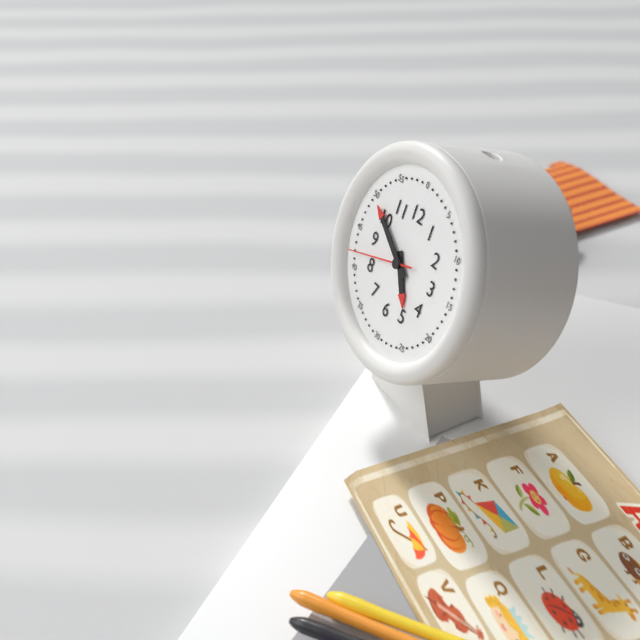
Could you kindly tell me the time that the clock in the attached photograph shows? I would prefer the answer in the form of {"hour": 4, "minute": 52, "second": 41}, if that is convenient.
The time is {"hour": 4, "minute": 50, "second": 42}
